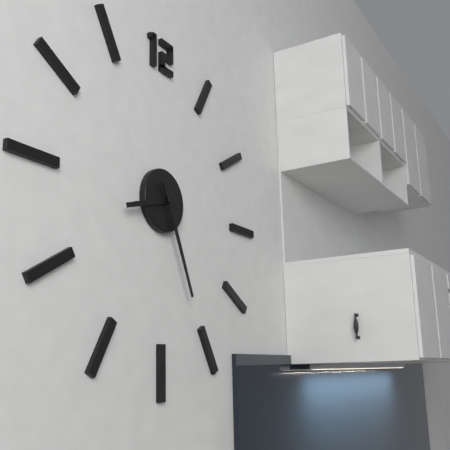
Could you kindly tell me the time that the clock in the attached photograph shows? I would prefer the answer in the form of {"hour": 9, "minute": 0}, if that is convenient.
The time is {"hour": 8, "minute": 26}
